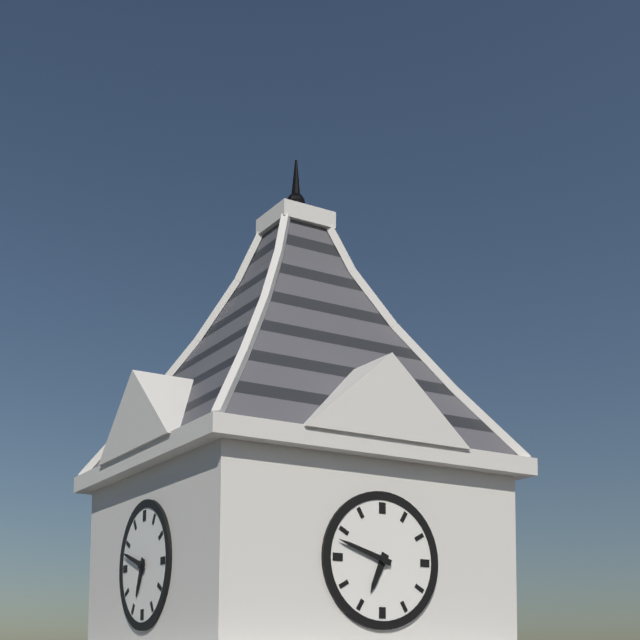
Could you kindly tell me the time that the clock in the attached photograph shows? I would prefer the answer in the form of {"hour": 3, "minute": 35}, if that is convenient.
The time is {"hour": 6, "minute": 48}
